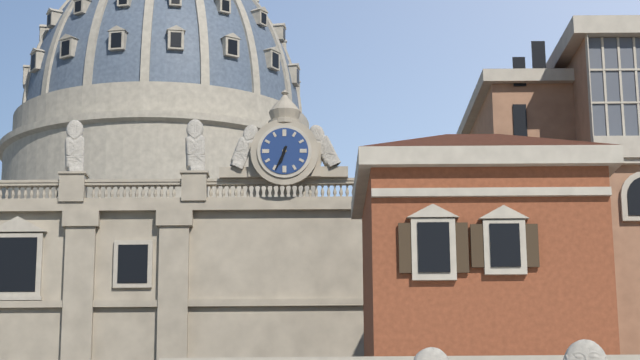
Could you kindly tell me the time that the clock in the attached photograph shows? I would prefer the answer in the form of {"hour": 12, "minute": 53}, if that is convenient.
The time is {"hour": 6, "minute": 34}
